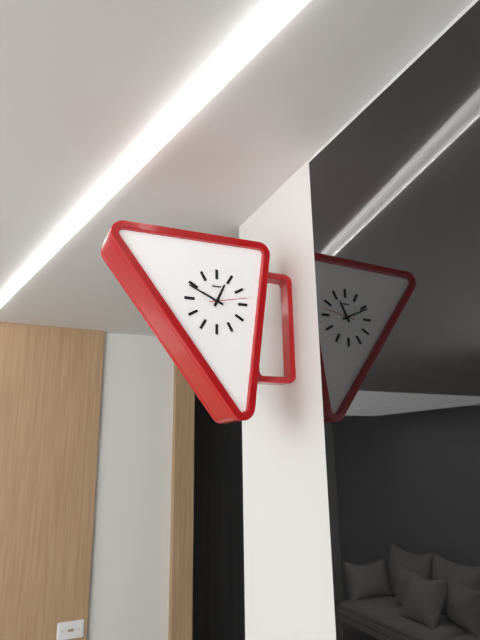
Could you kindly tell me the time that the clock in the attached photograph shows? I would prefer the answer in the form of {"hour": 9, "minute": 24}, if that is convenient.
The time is {"hour": 12, "minute": 49}
